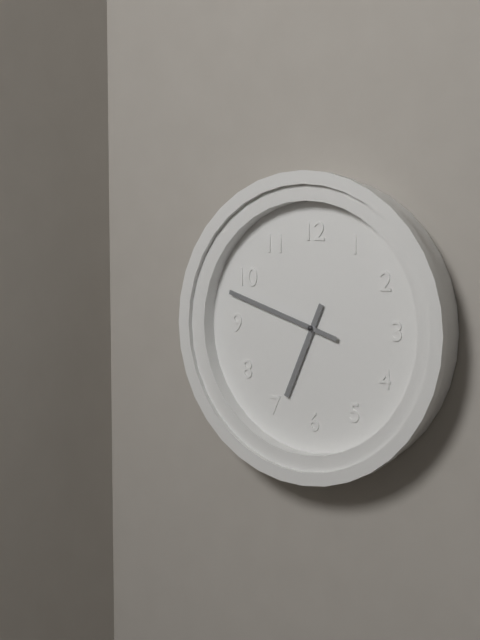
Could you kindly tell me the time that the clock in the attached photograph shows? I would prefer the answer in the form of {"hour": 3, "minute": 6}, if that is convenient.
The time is {"hour": 6, "minute": 48}
